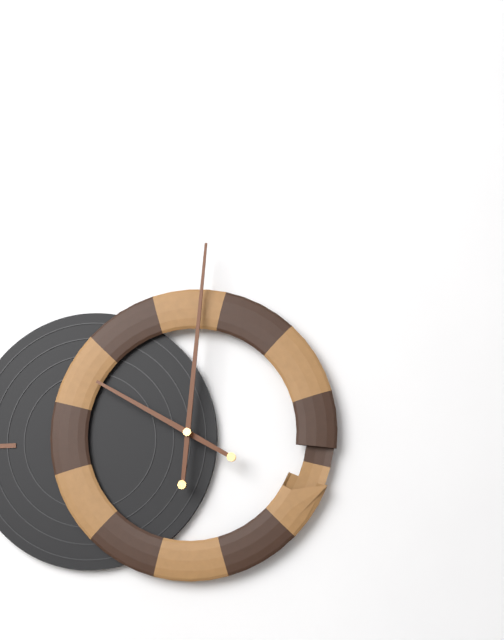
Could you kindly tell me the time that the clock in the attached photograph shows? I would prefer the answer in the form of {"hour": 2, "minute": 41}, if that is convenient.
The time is {"hour": 10, "minute": 1}
